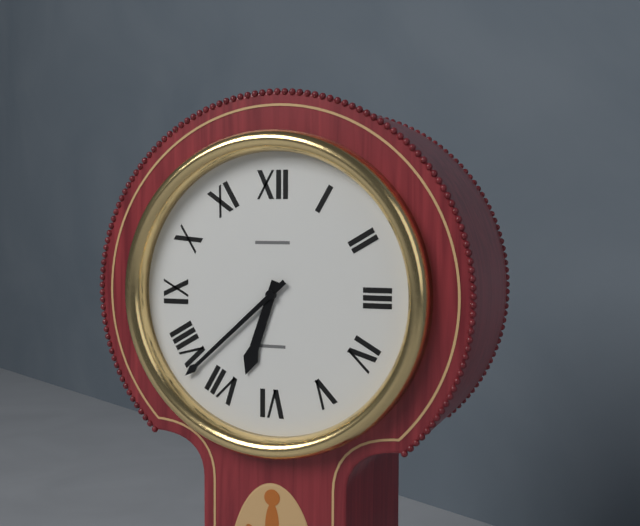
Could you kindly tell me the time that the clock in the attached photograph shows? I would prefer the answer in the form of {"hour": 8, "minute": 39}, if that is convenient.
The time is {"hour": 6, "minute": 38}
